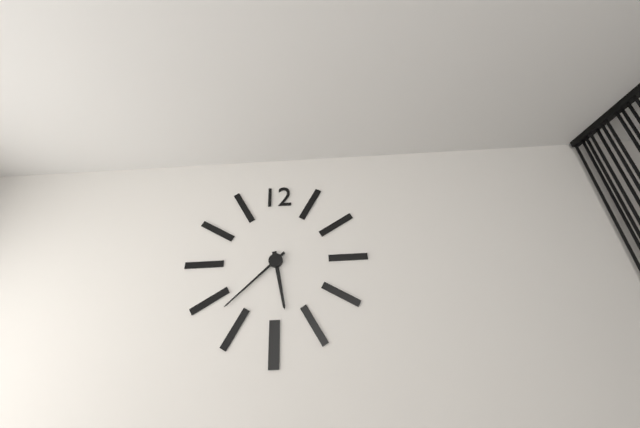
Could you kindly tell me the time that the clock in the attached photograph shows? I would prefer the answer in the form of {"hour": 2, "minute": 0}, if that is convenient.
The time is {"hour": 5, "minute": 38}
